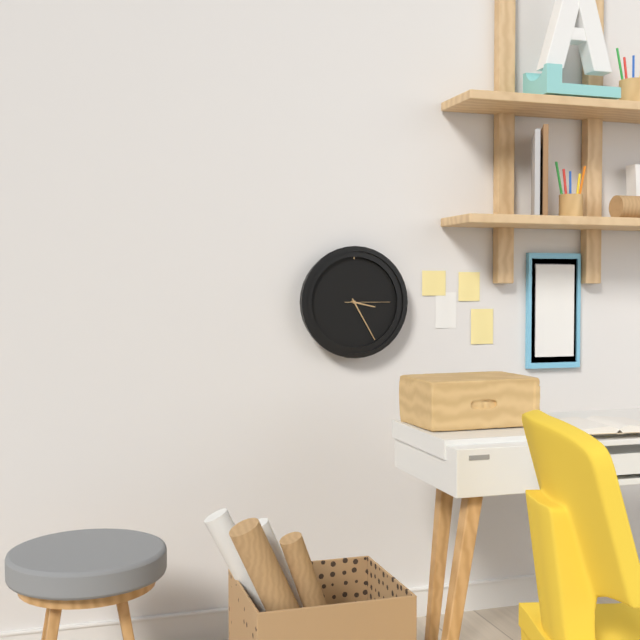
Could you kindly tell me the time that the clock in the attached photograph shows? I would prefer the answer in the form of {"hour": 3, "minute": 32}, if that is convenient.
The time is {"hour": 3, "minute": 25}
